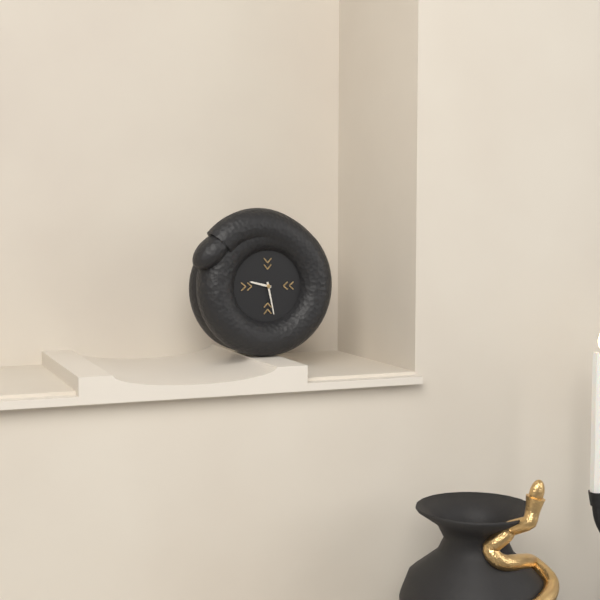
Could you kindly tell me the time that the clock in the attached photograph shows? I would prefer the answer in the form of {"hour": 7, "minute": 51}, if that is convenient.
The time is {"hour": 9, "minute": 28}
